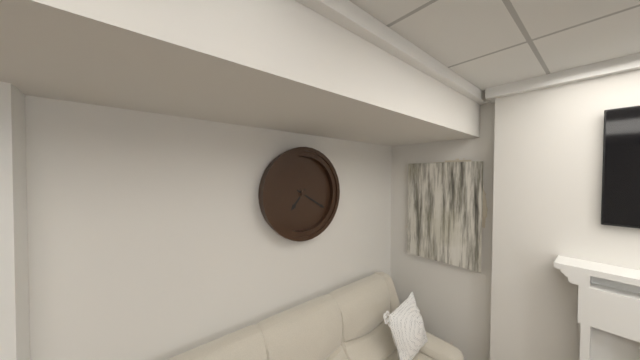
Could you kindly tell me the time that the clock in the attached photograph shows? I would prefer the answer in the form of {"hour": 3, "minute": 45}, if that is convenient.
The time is {"hour": 7, "minute": 20}
